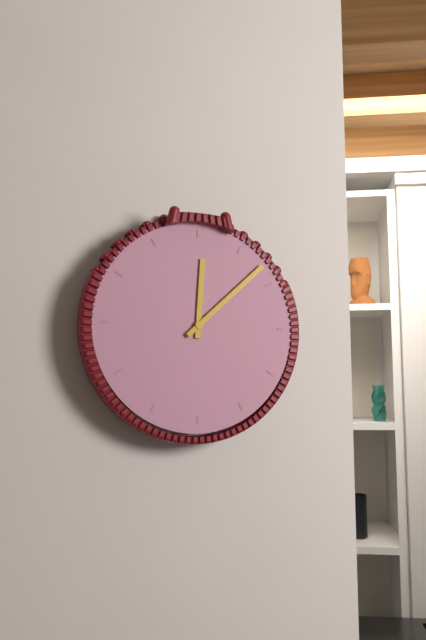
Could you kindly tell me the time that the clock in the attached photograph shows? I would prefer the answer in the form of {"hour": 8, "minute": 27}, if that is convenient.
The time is {"hour": 12, "minute": 8}
